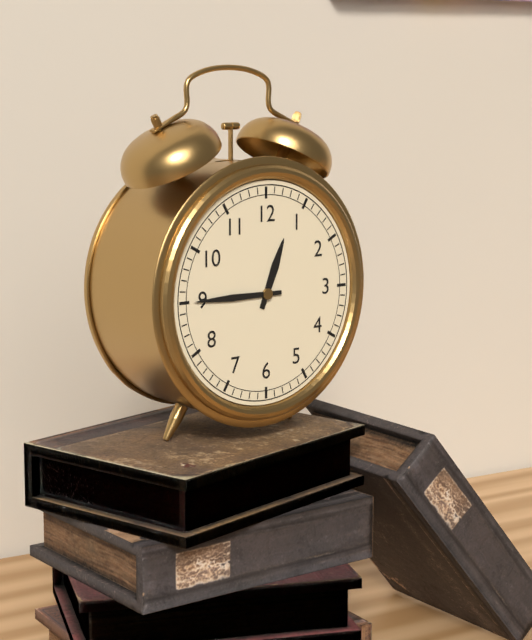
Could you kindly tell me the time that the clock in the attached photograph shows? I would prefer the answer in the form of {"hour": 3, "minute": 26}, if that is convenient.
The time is {"hour": 12, "minute": 45}
